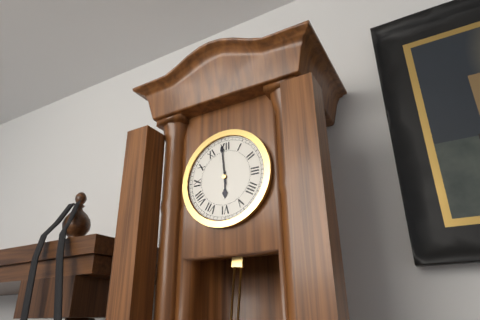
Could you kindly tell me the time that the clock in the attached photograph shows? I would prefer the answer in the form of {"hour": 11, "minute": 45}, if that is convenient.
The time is {"hour": 5, "minute": 59}
